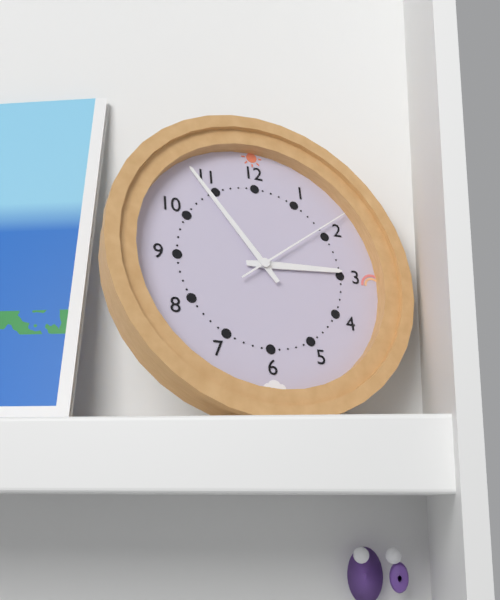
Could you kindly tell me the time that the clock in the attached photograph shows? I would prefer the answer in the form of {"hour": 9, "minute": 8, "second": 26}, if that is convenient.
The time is {"hour": 2, "minute": 54, "second": 9}
